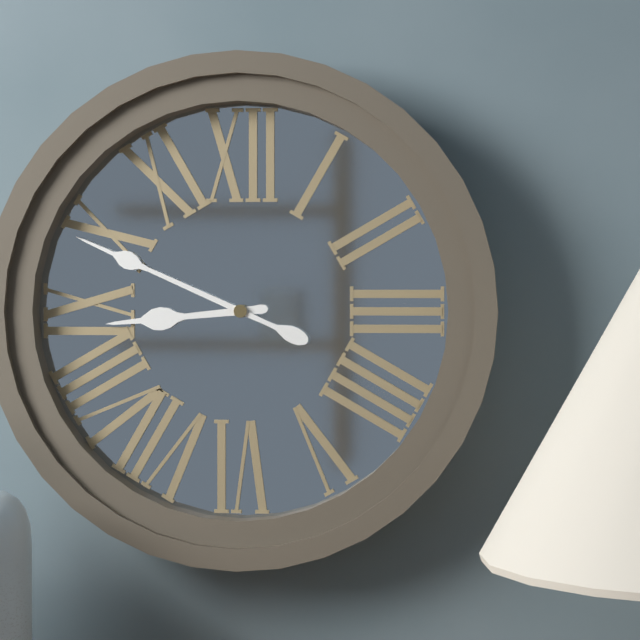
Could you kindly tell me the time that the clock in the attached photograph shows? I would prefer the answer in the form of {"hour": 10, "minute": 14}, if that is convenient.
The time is {"hour": 8, "minute": 49}
